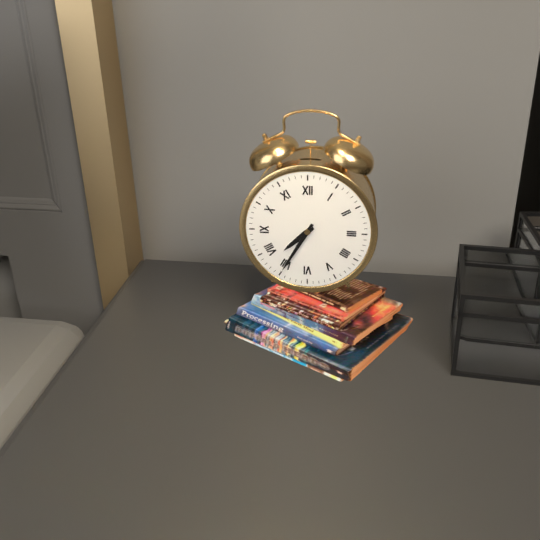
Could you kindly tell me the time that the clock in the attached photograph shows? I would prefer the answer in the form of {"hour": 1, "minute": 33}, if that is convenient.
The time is {"hour": 7, "minute": 35}
